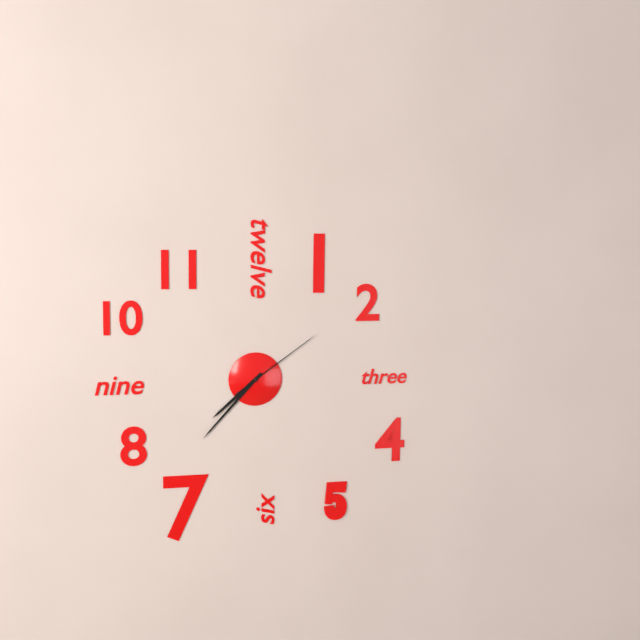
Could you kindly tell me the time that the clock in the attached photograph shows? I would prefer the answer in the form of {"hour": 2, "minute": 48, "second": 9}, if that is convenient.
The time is {"hour": 7, "minute": 37, "second": 9}
